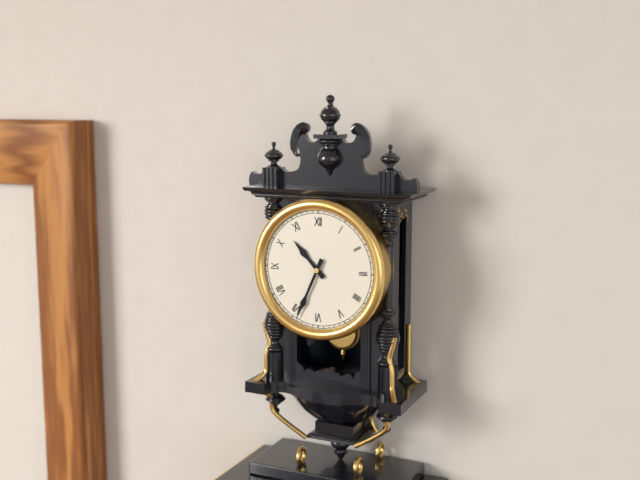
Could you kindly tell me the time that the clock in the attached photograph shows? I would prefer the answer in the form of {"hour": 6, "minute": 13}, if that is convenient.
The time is {"hour": 10, "minute": 34}
